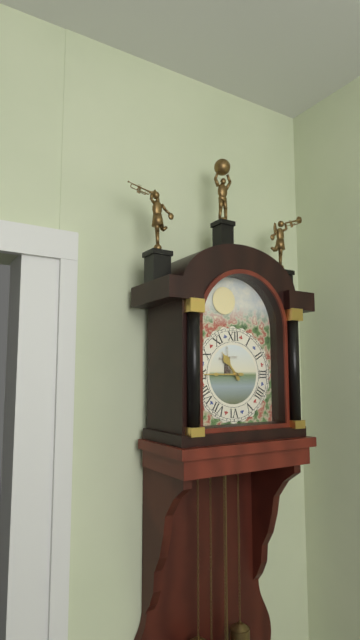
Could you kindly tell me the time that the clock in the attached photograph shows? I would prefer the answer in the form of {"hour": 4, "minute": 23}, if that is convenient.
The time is {"hour": 10, "minute": 45}
